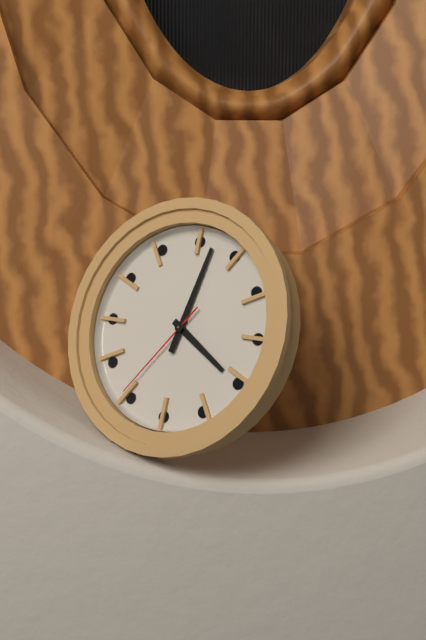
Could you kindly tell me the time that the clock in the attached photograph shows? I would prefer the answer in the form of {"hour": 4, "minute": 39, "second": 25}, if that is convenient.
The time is {"hour": 4, "minute": 2, "second": 36}
